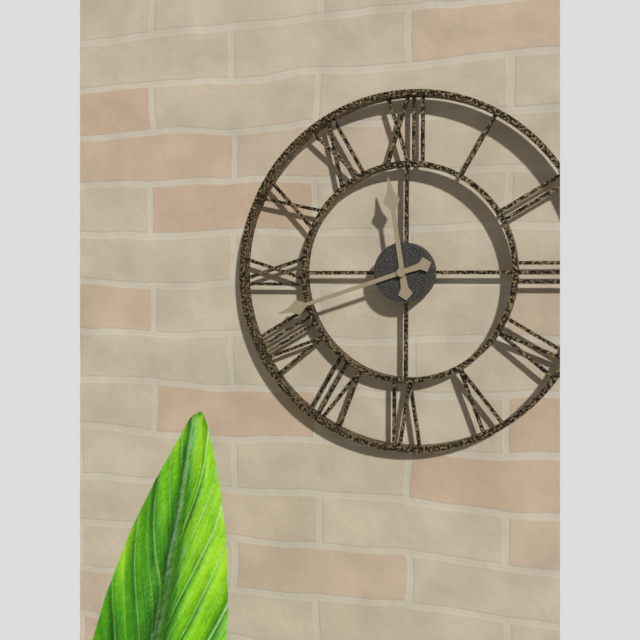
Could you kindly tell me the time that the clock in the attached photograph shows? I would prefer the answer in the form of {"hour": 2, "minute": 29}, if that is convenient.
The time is {"hour": 11, "minute": 42}
